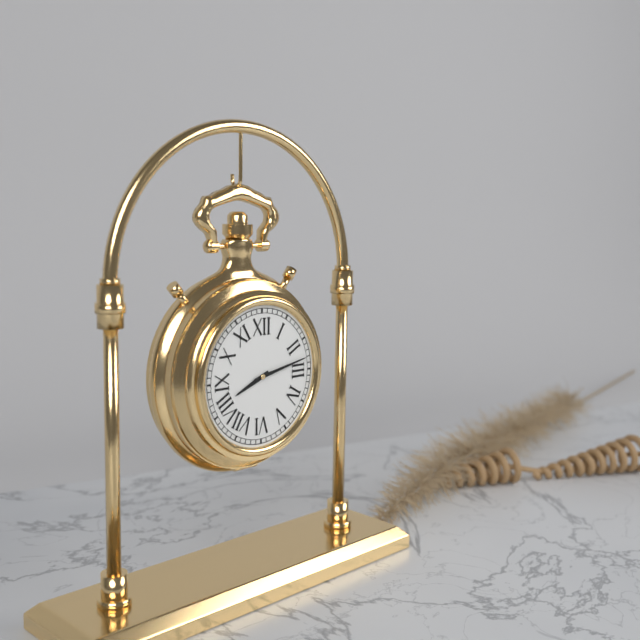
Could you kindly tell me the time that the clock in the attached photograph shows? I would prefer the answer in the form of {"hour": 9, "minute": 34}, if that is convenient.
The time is {"hour": 8, "minute": 13}
